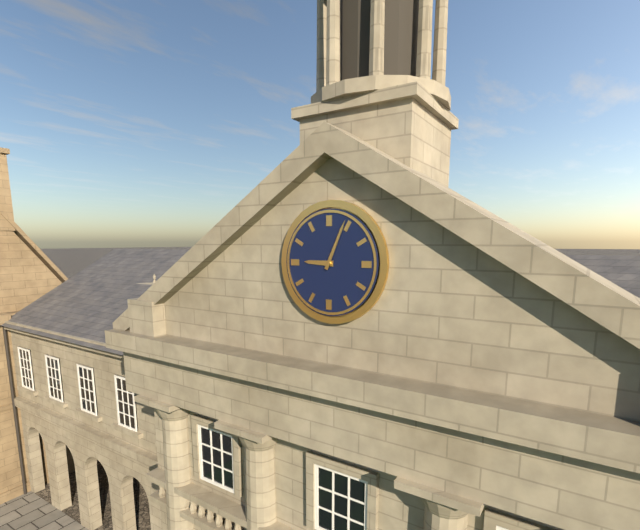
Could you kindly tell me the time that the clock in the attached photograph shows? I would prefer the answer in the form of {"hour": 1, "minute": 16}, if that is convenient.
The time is {"hour": 9, "minute": 4}
